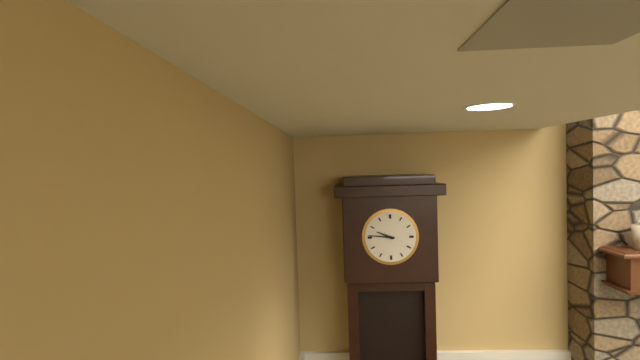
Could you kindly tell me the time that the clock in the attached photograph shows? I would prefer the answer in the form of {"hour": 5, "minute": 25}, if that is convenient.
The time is {"hour": 9, "minute": 46}
